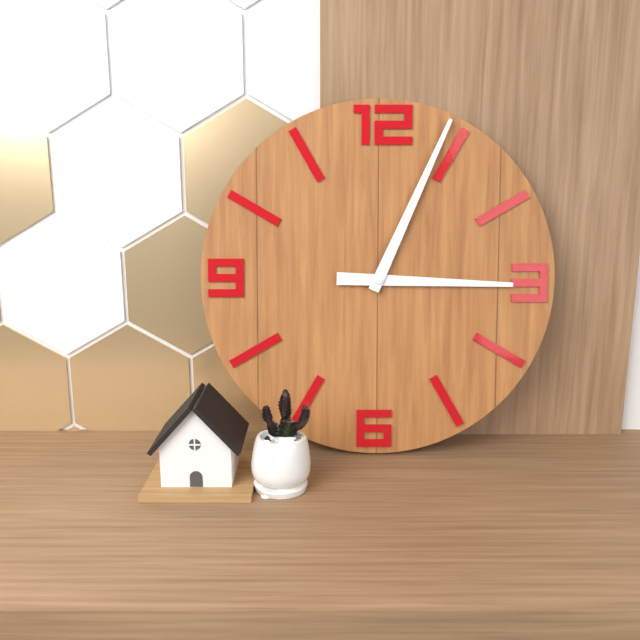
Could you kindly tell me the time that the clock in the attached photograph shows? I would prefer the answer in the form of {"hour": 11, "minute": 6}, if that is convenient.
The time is {"hour": 3, "minute": 4}
